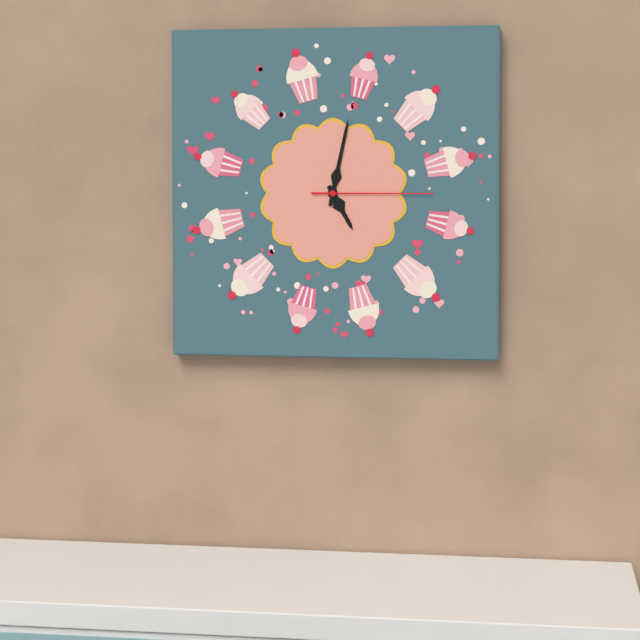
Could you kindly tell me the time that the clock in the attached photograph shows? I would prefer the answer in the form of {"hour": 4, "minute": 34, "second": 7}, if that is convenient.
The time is {"hour": 5, "minute": 2, "second": 15}
